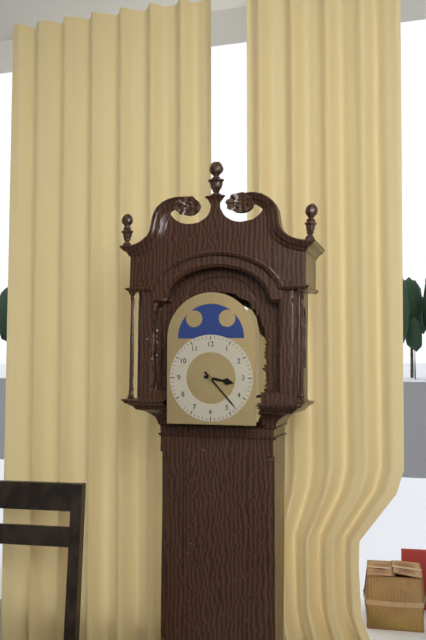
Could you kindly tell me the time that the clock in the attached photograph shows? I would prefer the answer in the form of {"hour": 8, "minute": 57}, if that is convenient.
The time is {"hour": 3, "minute": 23}
